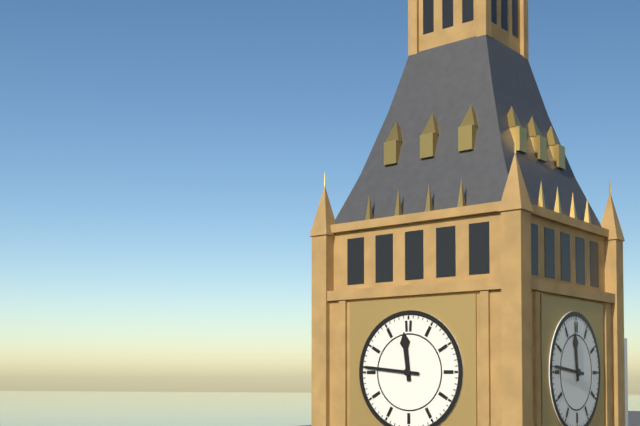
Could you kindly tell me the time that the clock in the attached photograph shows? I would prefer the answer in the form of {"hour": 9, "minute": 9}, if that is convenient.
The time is {"hour": 11, "minute": 46}
